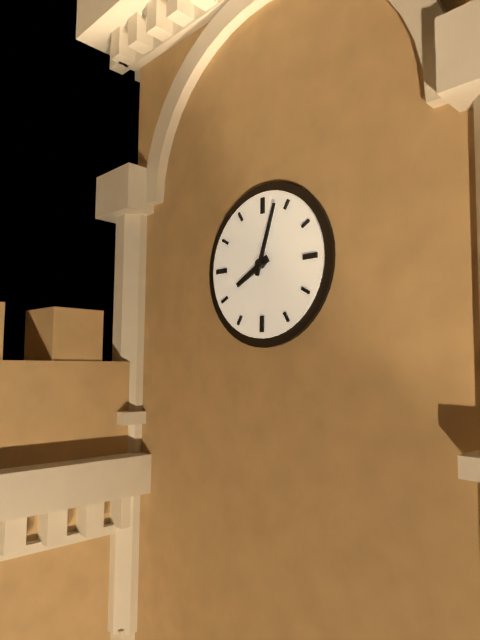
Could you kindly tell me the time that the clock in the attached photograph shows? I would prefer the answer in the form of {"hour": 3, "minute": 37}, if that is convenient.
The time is {"hour": 8, "minute": 3}
